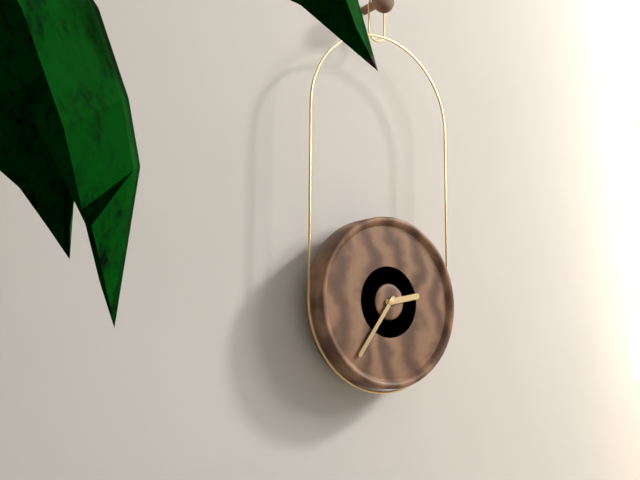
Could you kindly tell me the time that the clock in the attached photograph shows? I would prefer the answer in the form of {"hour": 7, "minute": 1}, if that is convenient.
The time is {"hour": 2, "minute": 36}
